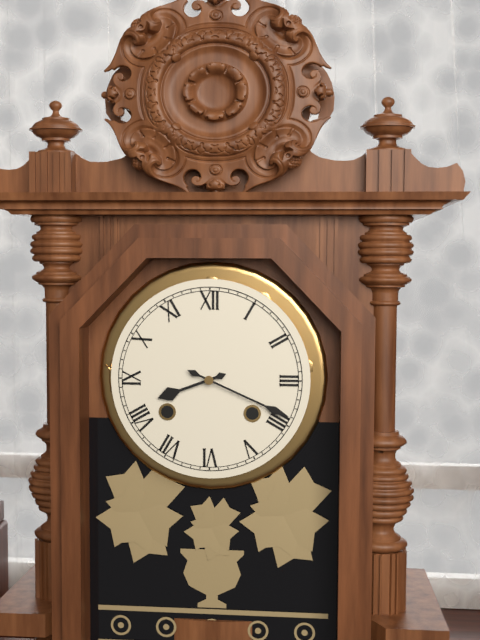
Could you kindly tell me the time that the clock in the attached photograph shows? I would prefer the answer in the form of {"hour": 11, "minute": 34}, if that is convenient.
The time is {"hour": 8, "minute": 19}
